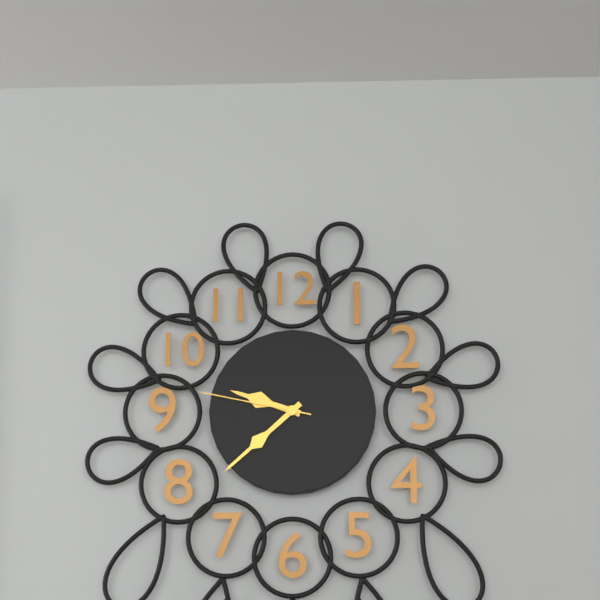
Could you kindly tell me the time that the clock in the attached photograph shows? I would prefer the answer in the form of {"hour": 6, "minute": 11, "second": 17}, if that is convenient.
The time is {"hour": 9, "minute": 38, "second": 47}
